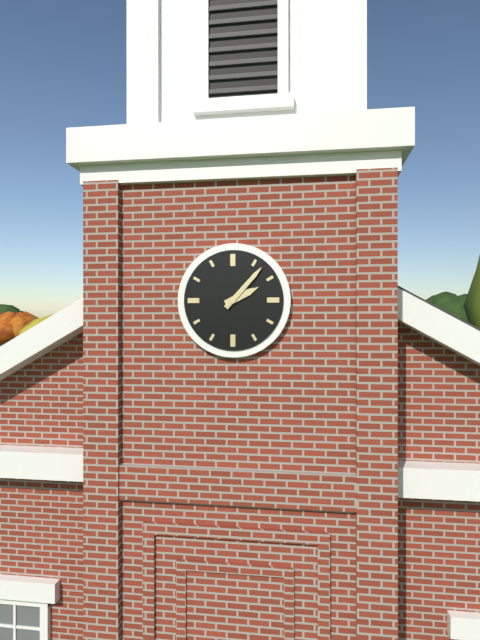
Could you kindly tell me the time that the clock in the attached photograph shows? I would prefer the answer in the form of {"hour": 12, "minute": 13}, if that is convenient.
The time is {"hour": 2, "minute": 7}
